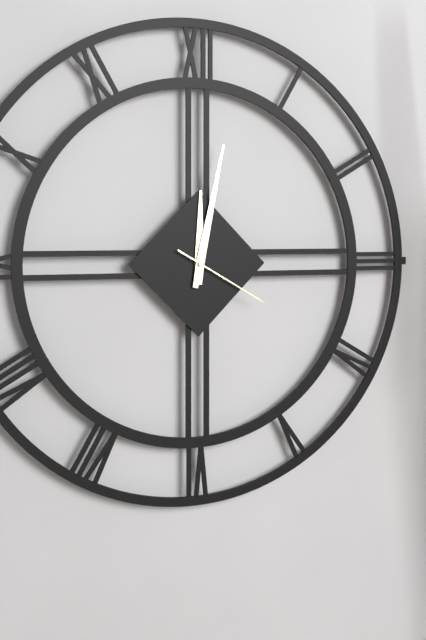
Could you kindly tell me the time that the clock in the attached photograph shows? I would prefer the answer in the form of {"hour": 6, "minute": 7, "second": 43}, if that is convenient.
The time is {"hour": 12, "minute": 2, "second": 20}
